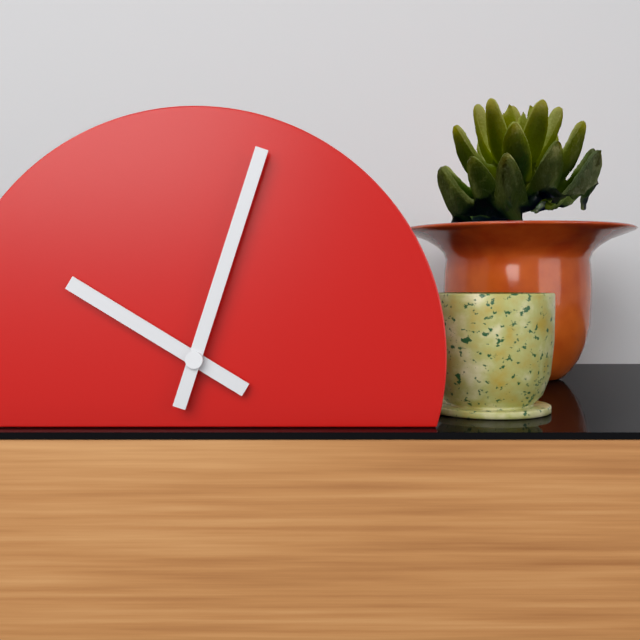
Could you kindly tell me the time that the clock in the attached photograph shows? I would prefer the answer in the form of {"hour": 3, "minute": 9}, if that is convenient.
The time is {"hour": 10, "minute": 3}
